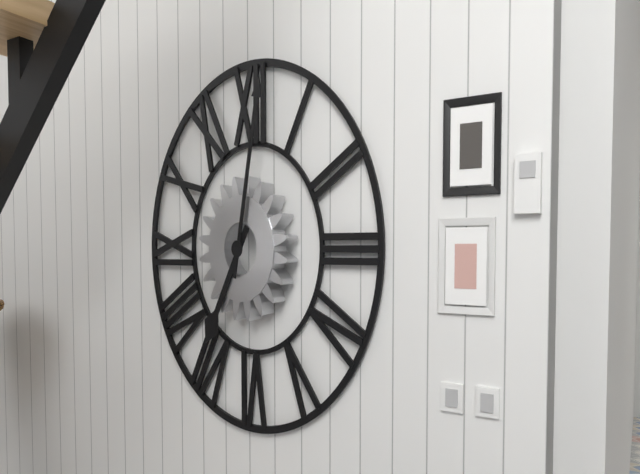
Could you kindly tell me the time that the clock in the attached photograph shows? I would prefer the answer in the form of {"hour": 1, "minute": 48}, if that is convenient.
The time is {"hour": 7, "minute": 2}
